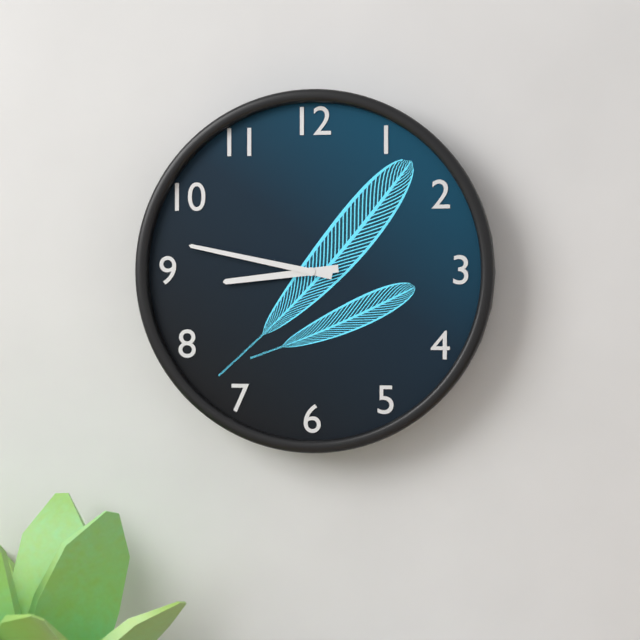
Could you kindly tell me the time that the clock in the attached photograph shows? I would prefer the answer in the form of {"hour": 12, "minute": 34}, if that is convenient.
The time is {"hour": 8, "minute": 47}
